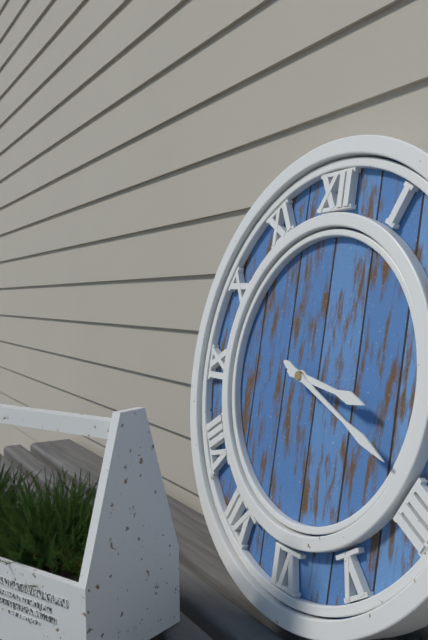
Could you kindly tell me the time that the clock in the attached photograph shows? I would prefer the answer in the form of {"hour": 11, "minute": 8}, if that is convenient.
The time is {"hour": 3, "minute": 19}
